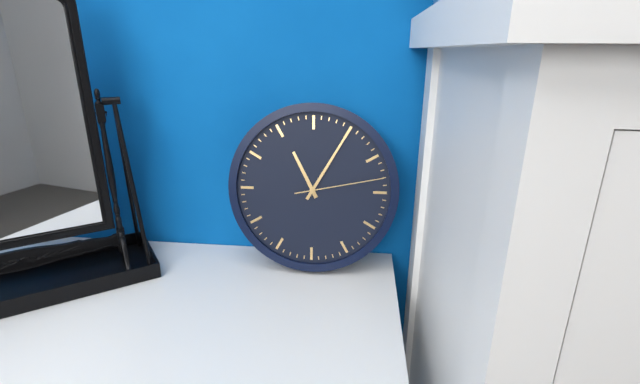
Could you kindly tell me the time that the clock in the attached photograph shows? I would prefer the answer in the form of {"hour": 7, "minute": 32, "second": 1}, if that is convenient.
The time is {"hour": 11, "minute": 5, "second": 13}
